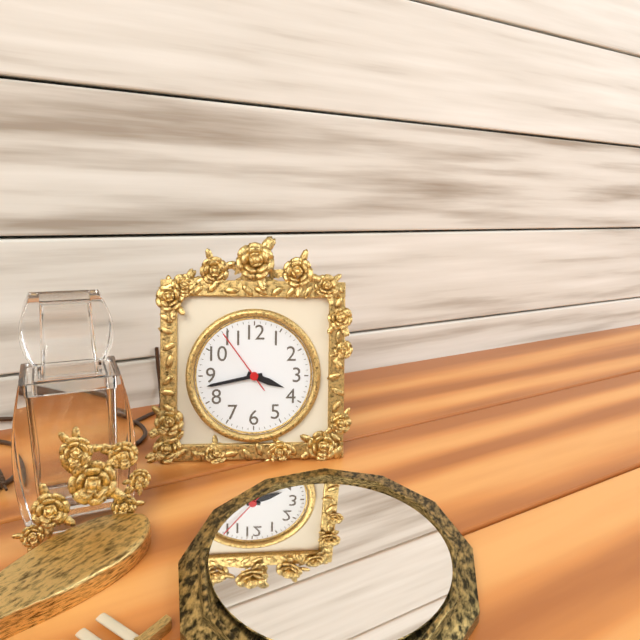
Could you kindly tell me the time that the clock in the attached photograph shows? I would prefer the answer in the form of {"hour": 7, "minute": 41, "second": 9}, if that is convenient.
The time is {"hour": 3, "minute": 43, "second": 54}
